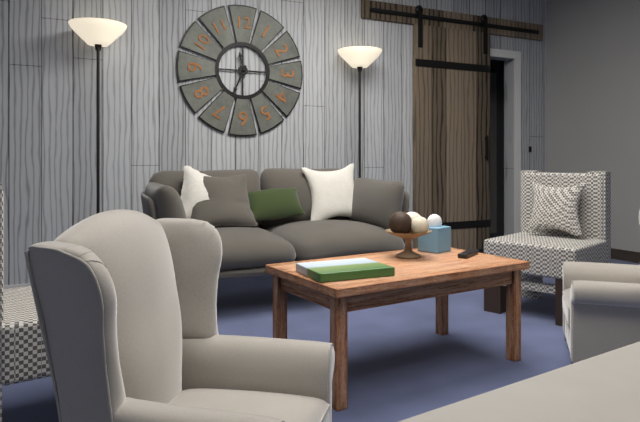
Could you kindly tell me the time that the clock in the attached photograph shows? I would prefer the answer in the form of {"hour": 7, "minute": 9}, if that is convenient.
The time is {"hour": 11, "minute": 34}
